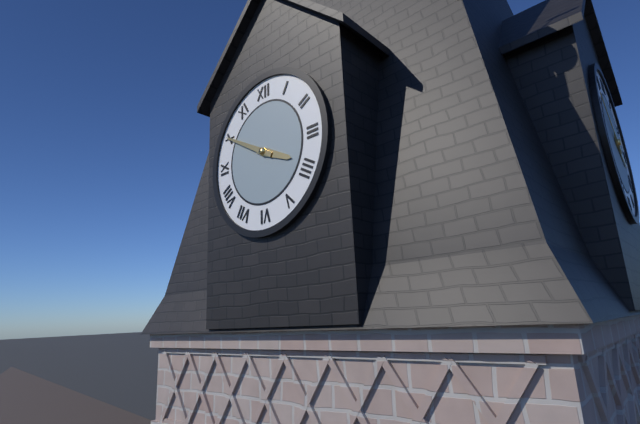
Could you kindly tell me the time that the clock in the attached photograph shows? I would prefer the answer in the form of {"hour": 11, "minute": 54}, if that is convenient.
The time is {"hour": 3, "minute": 50}
